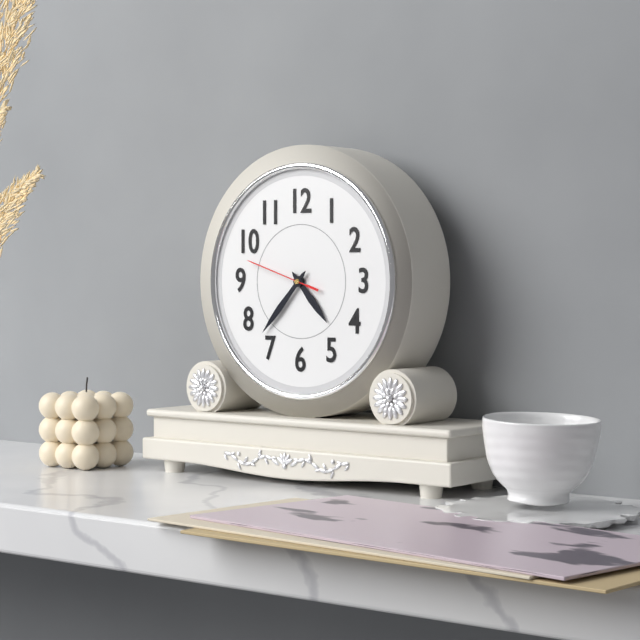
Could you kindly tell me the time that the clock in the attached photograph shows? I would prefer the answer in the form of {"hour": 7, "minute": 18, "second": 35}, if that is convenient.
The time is {"hour": 4, "minute": 37, "second": 48}
